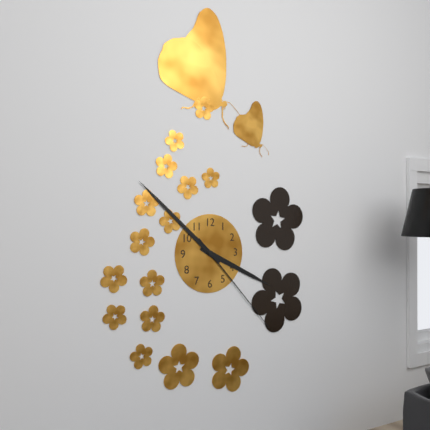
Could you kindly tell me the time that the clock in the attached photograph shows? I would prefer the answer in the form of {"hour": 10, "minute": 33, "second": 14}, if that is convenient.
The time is {"hour": 3, "minute": 52, "second": 23}
